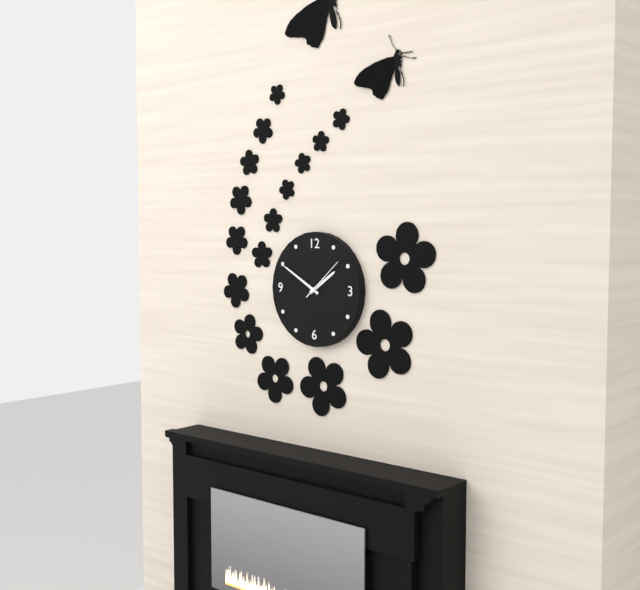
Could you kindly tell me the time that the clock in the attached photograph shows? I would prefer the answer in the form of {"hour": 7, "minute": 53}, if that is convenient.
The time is {"hour": 1, "minute": 50}
